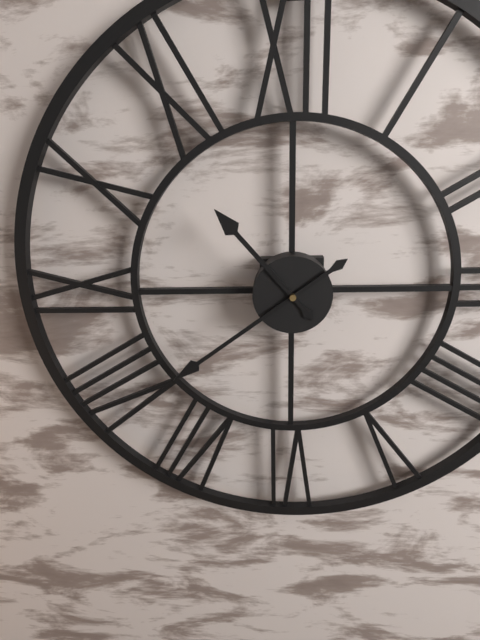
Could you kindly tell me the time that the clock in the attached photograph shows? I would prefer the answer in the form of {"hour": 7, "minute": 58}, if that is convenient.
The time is {"hour": 10, "minute": 39}
